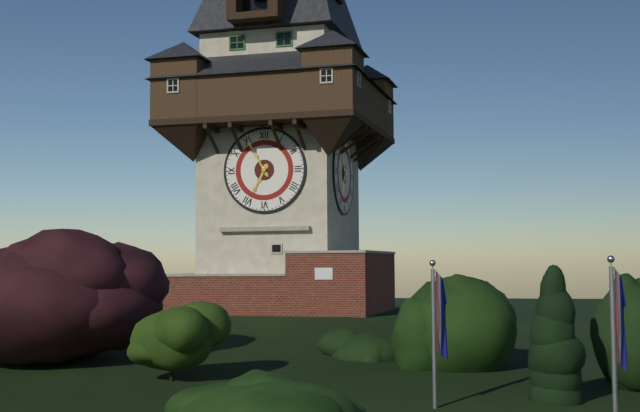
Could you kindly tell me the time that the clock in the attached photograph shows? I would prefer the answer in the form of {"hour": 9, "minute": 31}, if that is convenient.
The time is {"hour": 6, "minute": 55}
